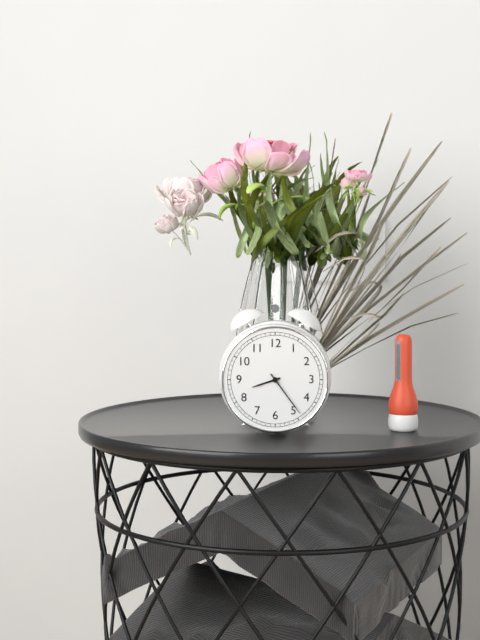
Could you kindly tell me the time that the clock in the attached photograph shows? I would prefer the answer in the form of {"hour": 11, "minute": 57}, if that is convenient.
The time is {"hour": 8, "minute": 24}
